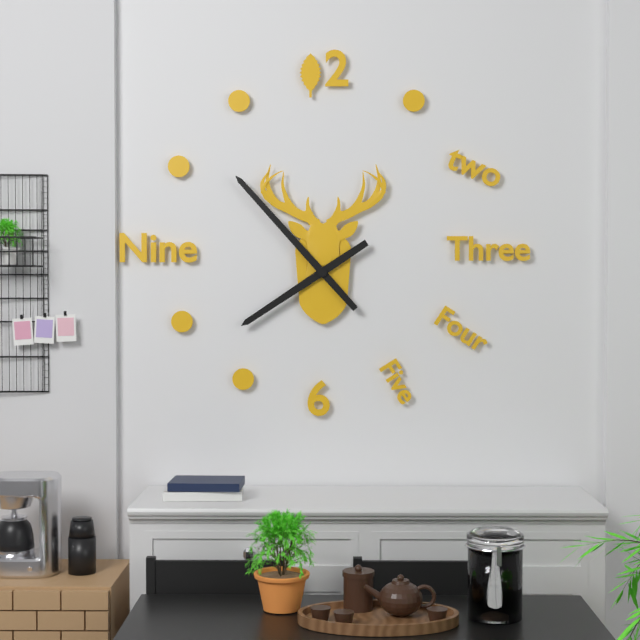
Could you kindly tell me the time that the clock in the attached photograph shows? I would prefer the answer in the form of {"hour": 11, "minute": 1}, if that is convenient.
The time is {"hour": 7, "minute": 53}
